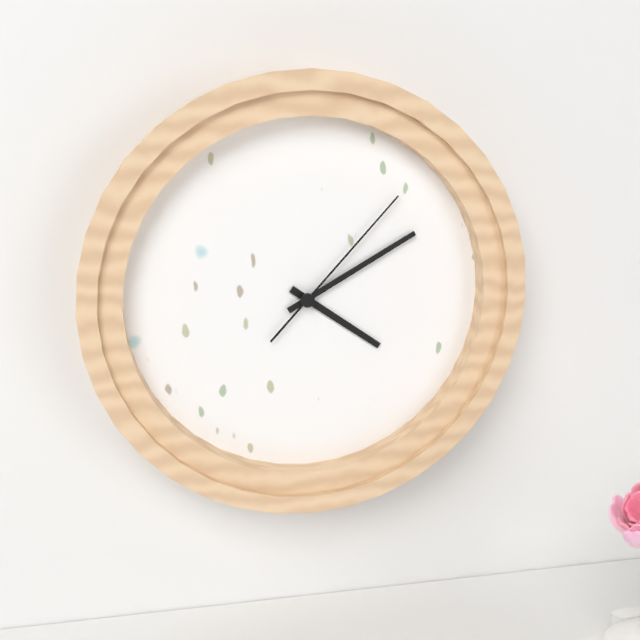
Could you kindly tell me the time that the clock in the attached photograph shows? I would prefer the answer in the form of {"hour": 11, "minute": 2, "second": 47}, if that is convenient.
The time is {"hour": 4, "minute": 10, "second": 7}
